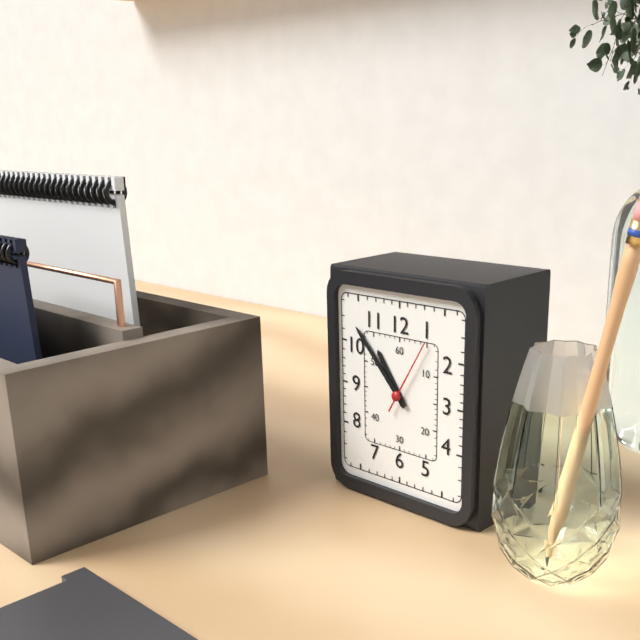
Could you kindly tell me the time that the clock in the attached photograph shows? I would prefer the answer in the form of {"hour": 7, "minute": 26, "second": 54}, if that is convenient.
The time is {"hour": 10, "minute": 53, "second": 5}
